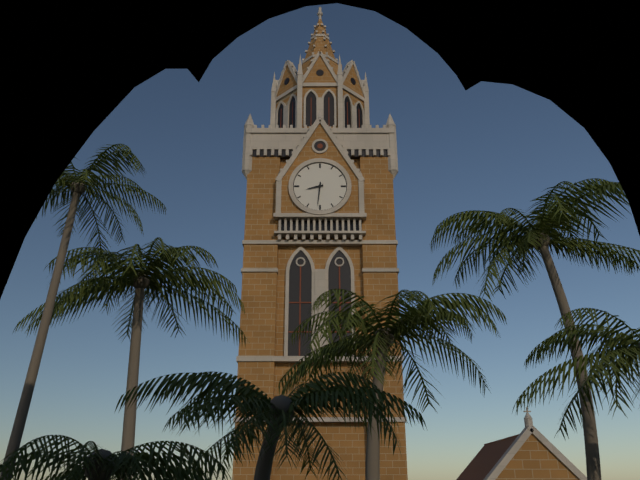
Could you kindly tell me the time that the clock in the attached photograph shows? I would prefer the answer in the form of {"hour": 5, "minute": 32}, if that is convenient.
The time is {"hour": 8, "minute": 31}
